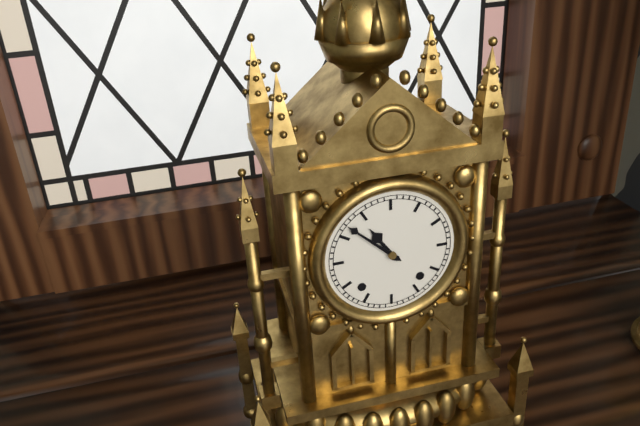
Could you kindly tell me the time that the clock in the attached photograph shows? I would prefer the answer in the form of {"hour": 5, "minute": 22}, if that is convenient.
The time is {"hour": 10, "minute": 52}
